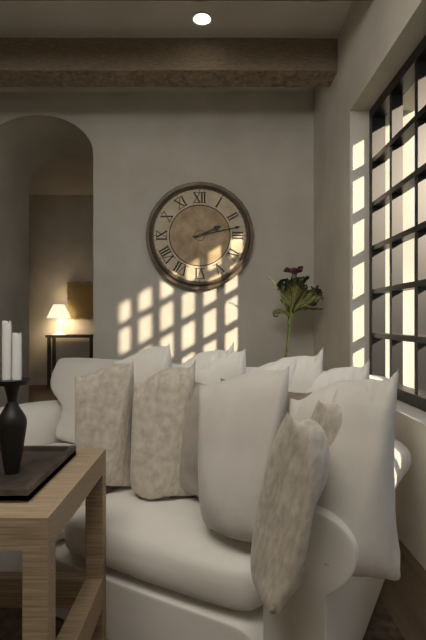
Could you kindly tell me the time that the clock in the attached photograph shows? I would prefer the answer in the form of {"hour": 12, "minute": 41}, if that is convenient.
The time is {"hour": 2, "minute": 13}
